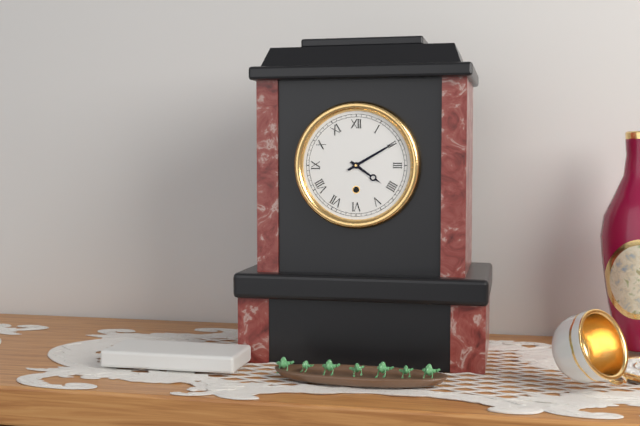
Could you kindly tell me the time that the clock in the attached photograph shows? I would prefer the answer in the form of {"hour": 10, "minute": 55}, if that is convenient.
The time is {"hour": 4, "minute": 10}
